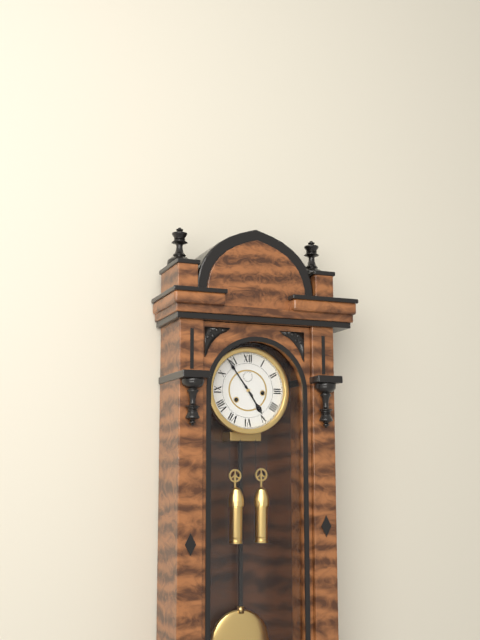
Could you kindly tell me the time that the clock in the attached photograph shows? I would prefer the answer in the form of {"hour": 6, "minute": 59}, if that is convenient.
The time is {"hour": 4, "minute": 54}
